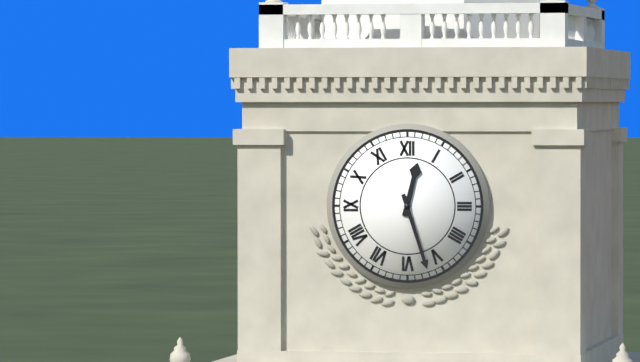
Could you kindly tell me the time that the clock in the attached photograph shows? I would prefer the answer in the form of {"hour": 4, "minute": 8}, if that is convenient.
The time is {"hour": 12, "minute": 27}
